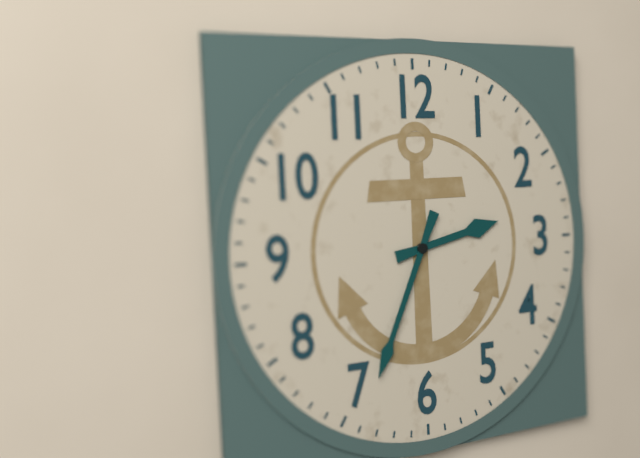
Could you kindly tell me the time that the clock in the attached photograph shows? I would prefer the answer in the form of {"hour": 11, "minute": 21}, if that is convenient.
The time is {"hour": 2, "minute": 34}
